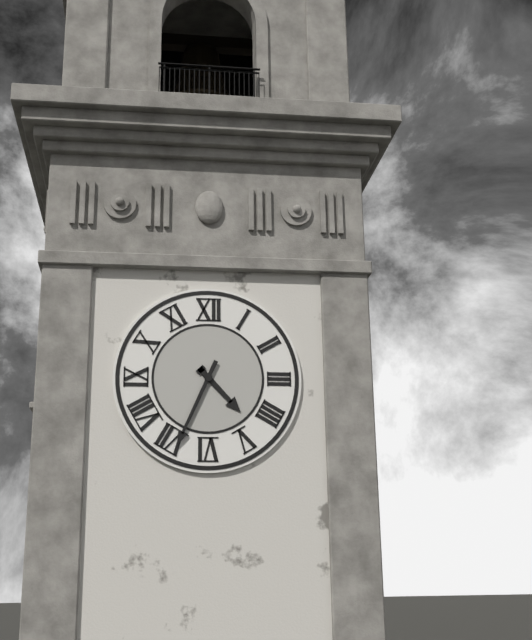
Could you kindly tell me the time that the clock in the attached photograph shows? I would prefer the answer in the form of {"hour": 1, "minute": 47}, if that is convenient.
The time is {"hour": 4, "minute": 34}
